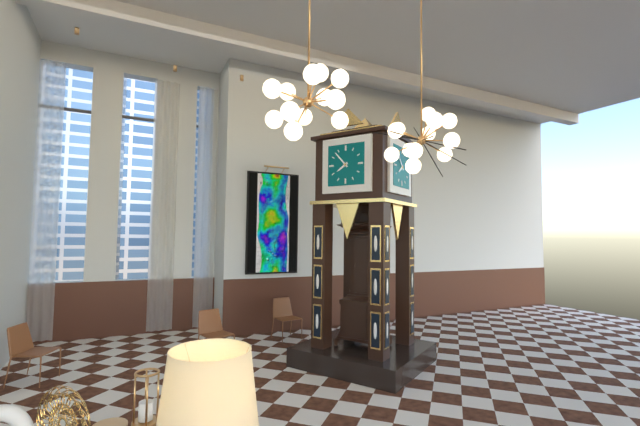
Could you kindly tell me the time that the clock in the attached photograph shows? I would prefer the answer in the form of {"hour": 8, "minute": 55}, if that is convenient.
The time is {"hour": 7, "minute": 53}
